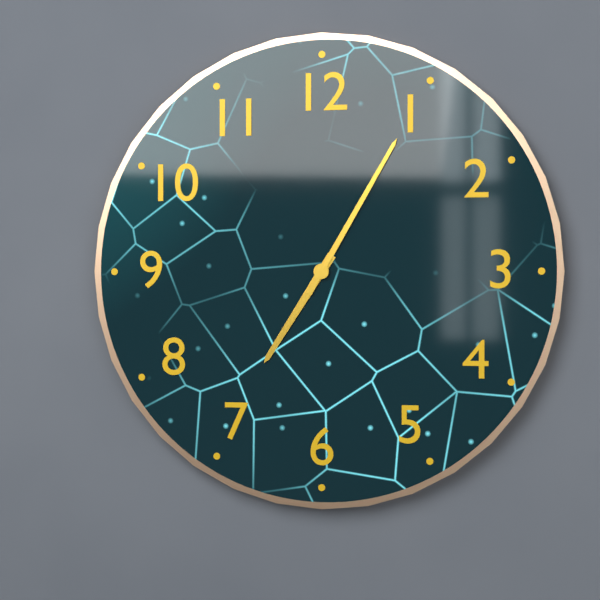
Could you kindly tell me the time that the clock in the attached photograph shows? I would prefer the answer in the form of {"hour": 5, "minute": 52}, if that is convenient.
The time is {"hour": 7, "minute": 5}
